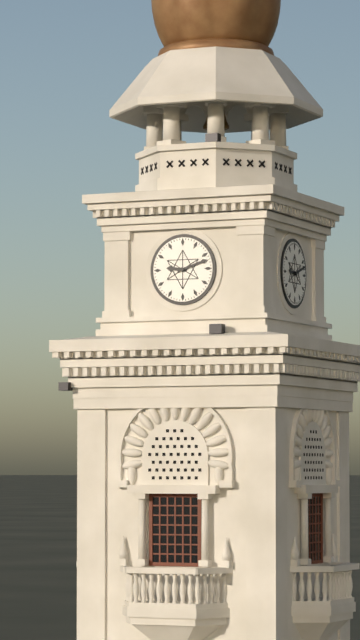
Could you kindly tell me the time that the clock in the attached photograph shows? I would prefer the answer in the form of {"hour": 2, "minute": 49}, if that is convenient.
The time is {"hour": 9, "minute": 12}
